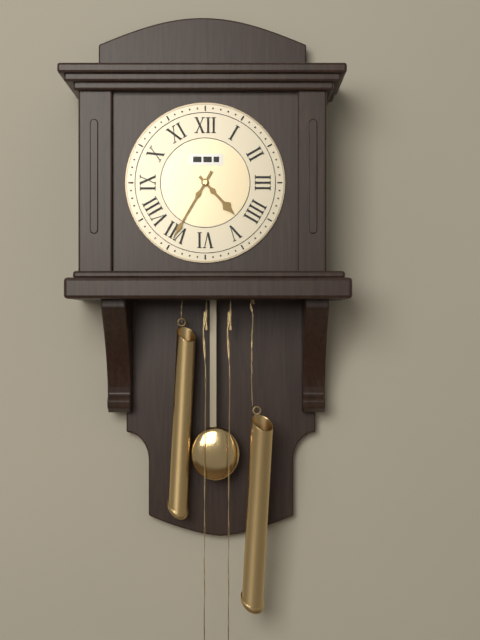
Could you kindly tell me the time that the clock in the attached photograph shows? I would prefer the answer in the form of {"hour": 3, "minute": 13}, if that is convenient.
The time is {"hour": 4, "minute": 35}
